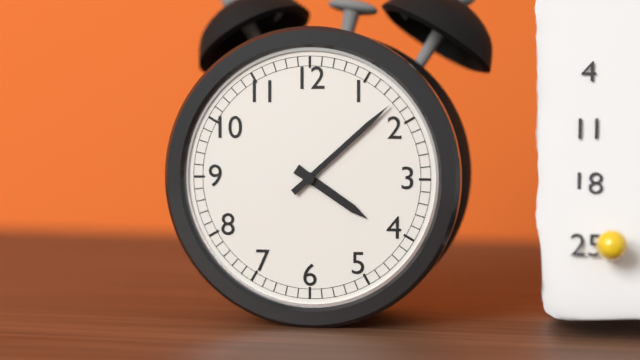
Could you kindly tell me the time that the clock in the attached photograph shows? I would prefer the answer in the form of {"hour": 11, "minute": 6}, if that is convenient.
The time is {"hour": 4, "minute": 8}
